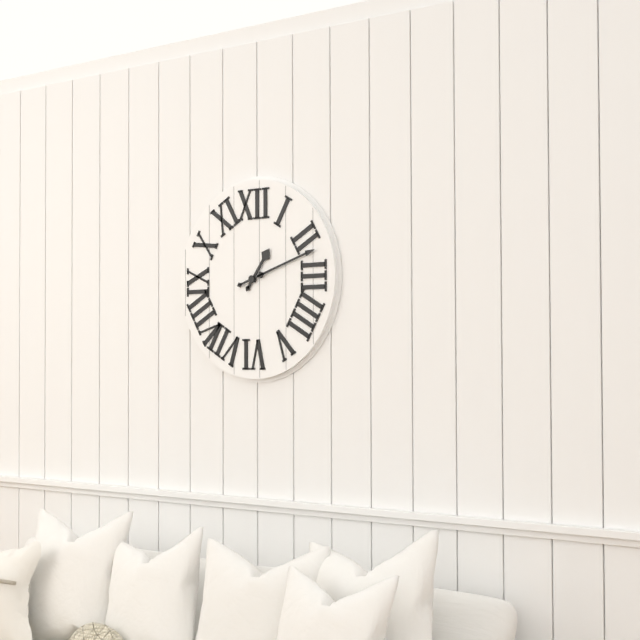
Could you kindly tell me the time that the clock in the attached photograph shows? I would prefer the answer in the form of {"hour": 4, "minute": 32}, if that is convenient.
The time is {"hour": 1, "minute": 12}
